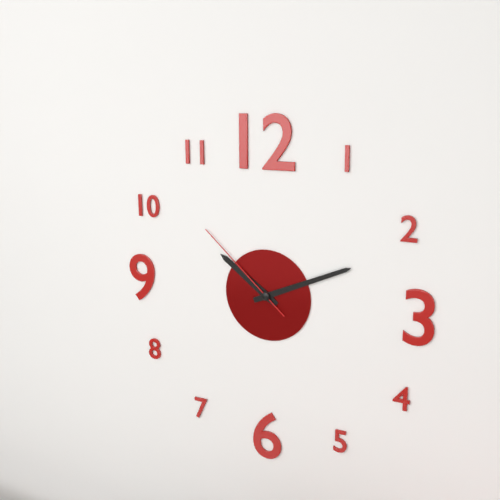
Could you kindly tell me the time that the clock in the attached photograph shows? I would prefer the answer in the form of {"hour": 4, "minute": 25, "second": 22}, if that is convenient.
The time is {"hour": 10, "minute": 11, "second": 52}
